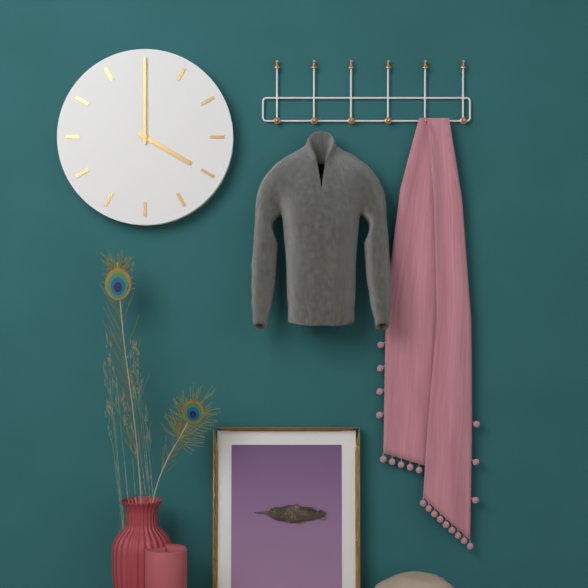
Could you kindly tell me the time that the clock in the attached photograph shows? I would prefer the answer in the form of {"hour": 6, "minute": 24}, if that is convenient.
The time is {"hour": 4, "minute": 0}
